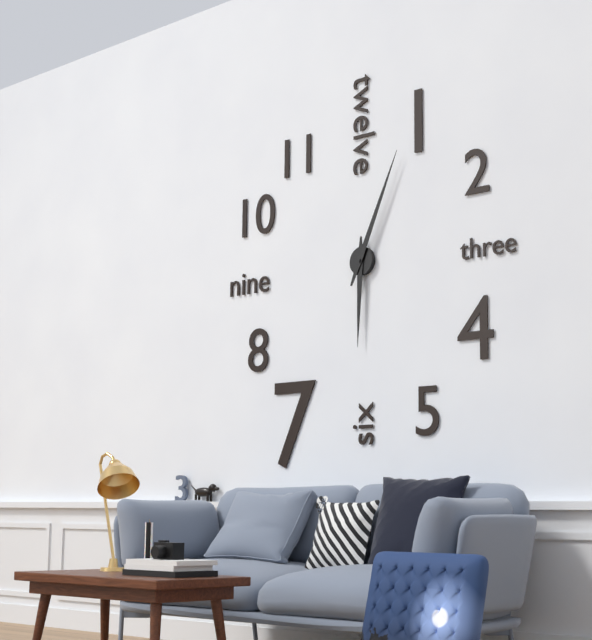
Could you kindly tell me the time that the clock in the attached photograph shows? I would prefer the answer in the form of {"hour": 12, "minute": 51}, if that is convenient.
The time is {"hour": 6, "minute": 4}
